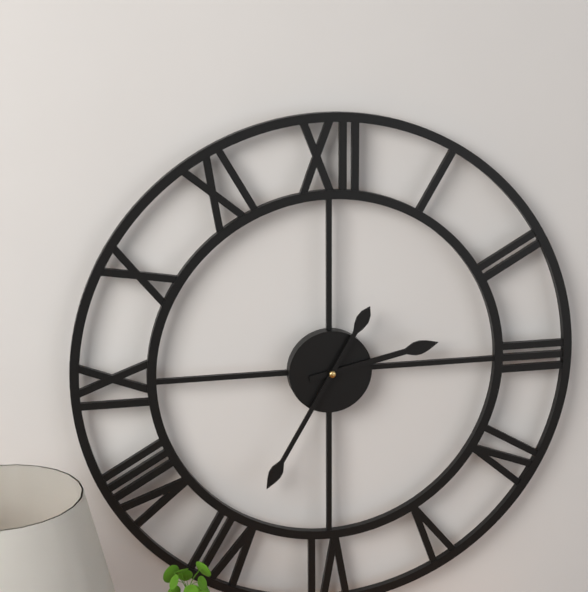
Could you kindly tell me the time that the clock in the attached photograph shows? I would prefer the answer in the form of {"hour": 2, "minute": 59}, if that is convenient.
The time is {"hour": 2, "minute": 35}
